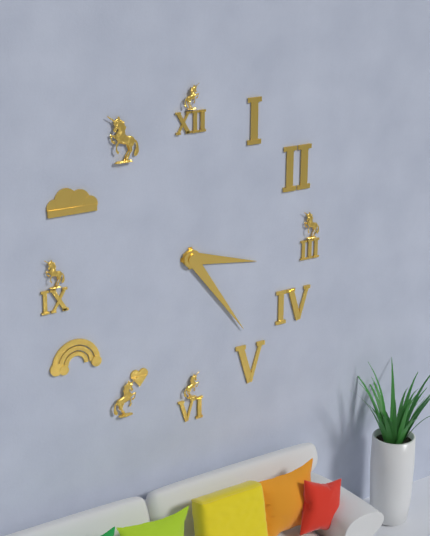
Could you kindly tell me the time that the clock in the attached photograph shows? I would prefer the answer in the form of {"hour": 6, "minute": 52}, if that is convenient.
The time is {"hour": 3, "minute": 24}
